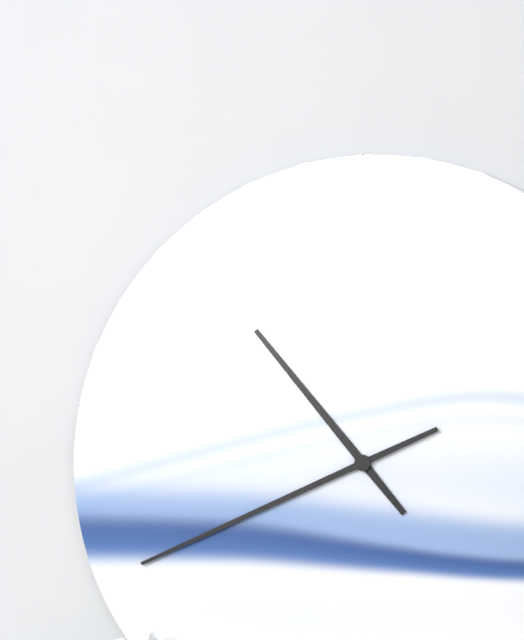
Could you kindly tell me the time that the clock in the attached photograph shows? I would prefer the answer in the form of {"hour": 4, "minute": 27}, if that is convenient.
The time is {"hour": 10, "minute": 41}
